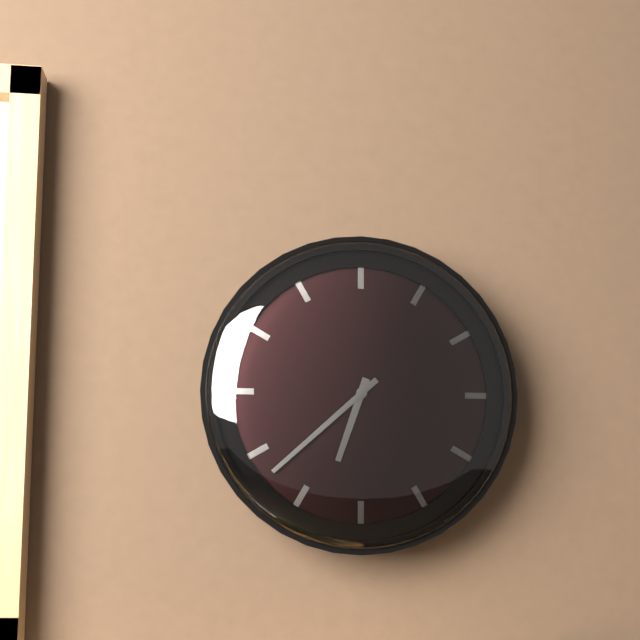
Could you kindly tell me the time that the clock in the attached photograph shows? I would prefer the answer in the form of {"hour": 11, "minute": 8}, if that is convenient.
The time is {"hour": 6, "minute": 38}
